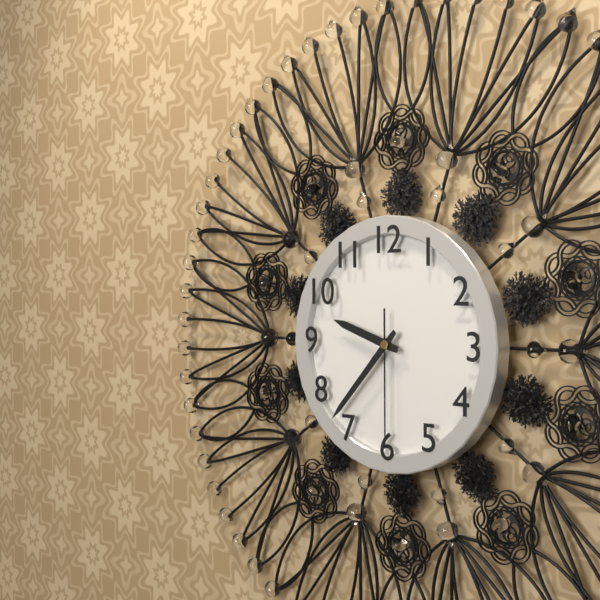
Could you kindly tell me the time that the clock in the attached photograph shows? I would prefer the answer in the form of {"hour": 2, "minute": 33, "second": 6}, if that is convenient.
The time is {"hour": 9, "minute": 37, "second": 30}
